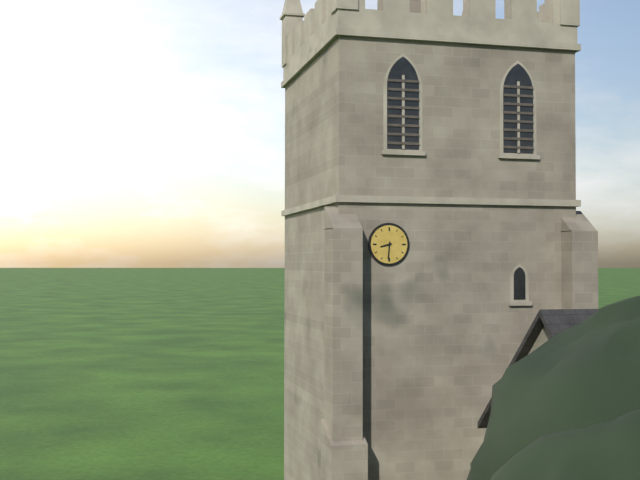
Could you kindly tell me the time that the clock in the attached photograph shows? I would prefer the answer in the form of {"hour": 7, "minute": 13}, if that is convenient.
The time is {"hour": 8, "minute": 31}
